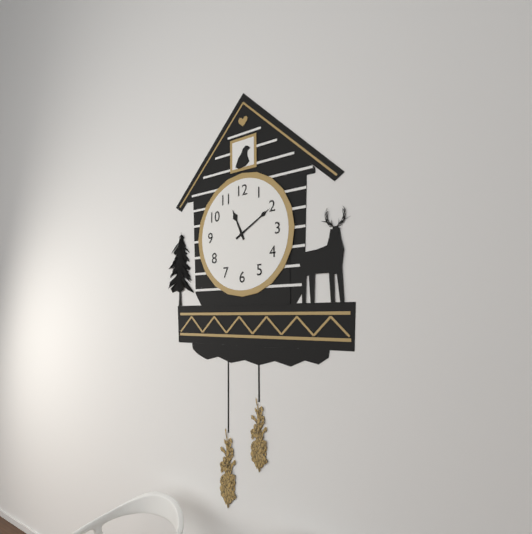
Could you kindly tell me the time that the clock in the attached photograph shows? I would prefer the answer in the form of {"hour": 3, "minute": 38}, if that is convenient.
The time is {"hour": 11, "minute": 10}
